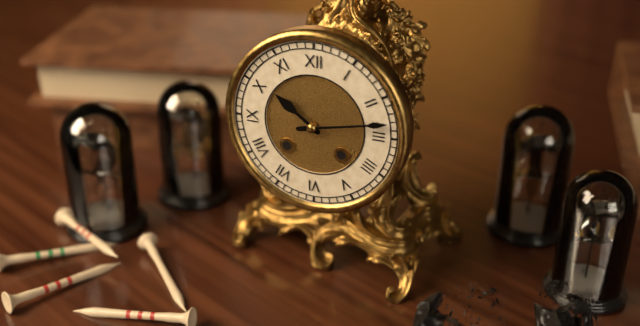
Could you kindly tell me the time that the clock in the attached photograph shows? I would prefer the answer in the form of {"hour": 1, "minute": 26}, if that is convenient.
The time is {"hour": 10, "minute": 13}
